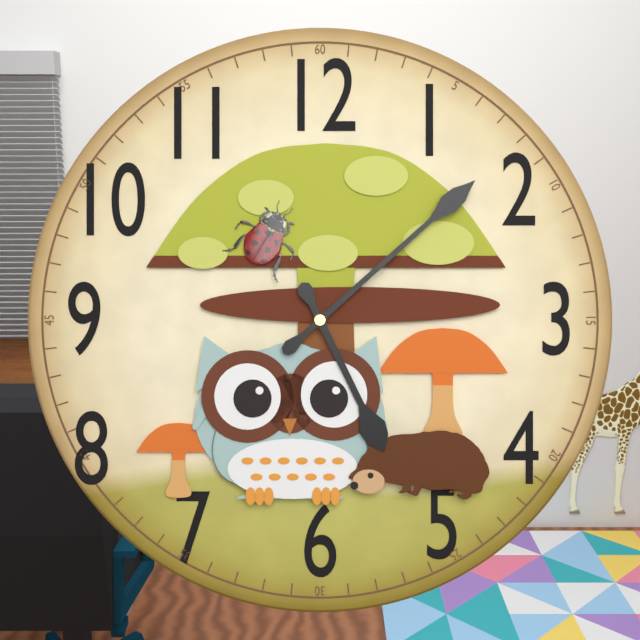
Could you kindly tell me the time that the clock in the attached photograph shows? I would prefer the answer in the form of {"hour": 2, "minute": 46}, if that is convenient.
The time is {"hour": 5, "minute": 8}
